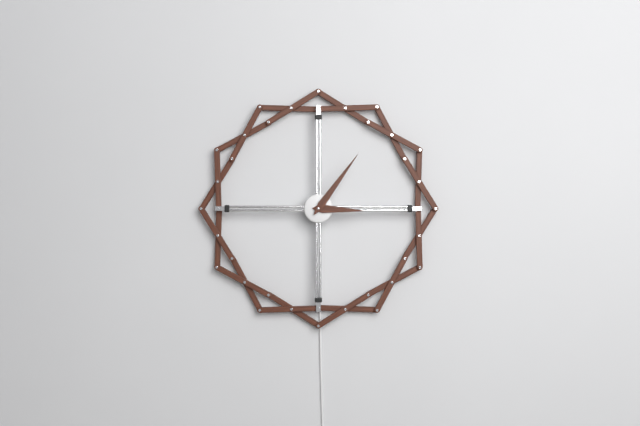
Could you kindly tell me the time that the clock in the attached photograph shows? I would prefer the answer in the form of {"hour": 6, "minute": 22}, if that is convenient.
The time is {"hour": 3, "minute": 6}
